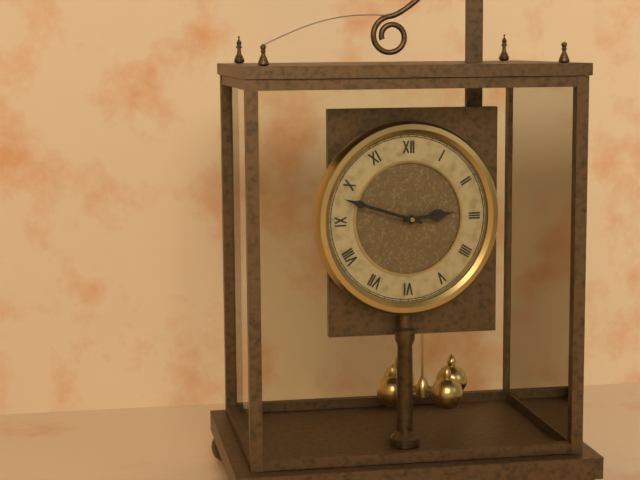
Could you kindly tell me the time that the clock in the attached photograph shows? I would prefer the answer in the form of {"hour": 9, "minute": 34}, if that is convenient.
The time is {"hour": 2, "minute": 48}
